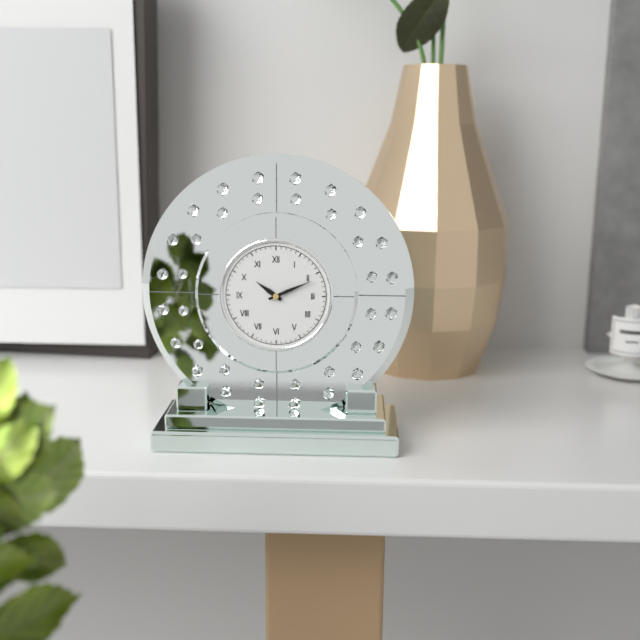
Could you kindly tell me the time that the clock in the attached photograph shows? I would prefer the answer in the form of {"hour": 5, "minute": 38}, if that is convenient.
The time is {"hour": 10, "minute": 11}
